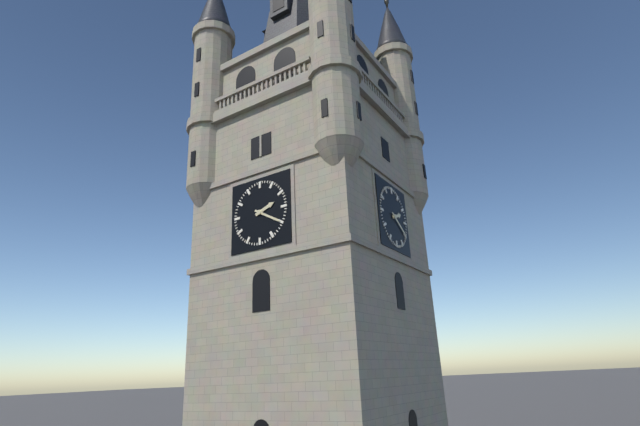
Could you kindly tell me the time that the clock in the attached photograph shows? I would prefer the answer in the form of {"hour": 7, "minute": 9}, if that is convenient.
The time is {"hour": 2, "minute": 20}
